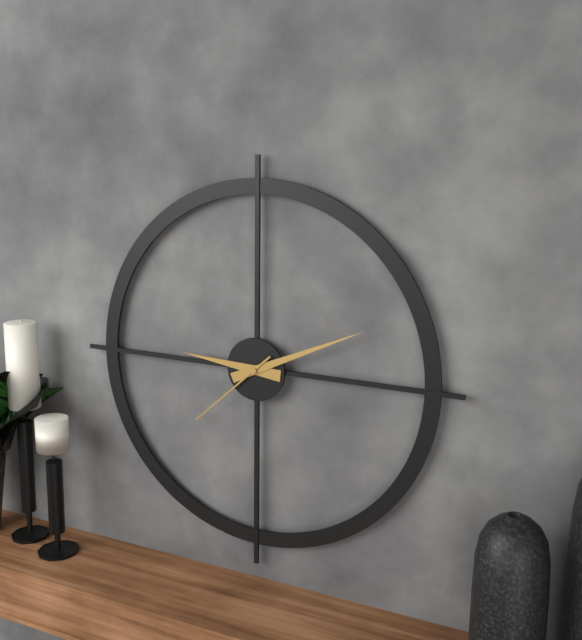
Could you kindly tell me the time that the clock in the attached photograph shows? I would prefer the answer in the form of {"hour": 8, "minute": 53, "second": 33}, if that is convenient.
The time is {"hour": 9, "minute": 11, "second": 38}
